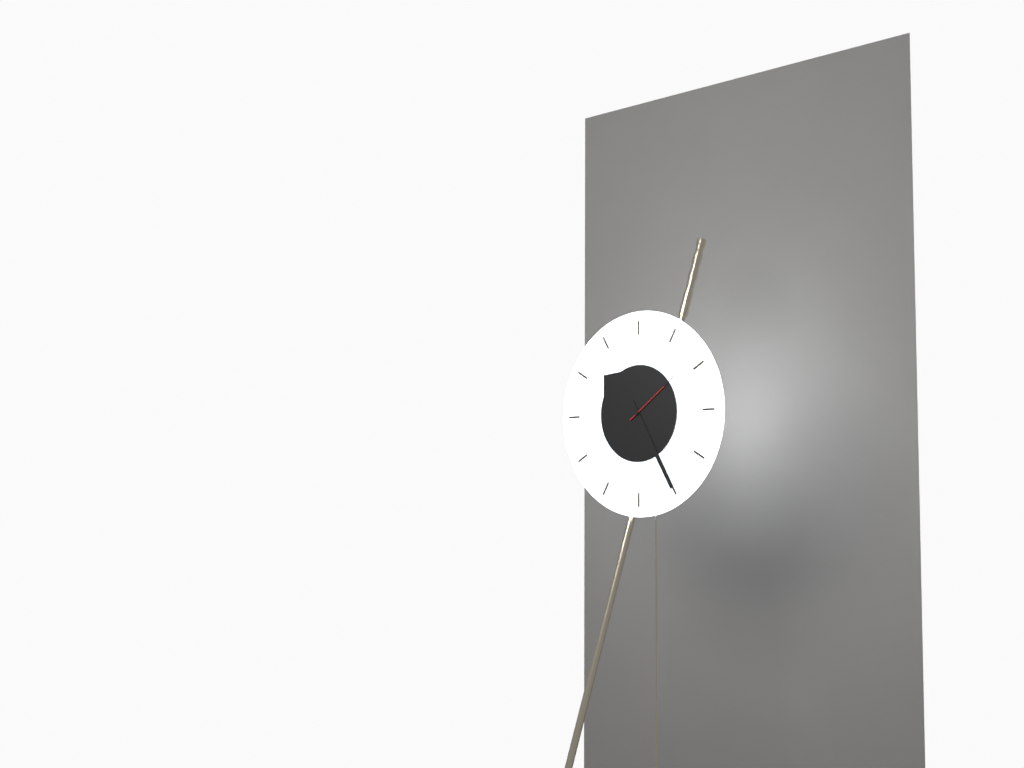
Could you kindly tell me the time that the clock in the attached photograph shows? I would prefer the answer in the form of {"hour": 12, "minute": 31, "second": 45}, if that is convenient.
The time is {"hour": 10, "minute": 25, "second": 9}
